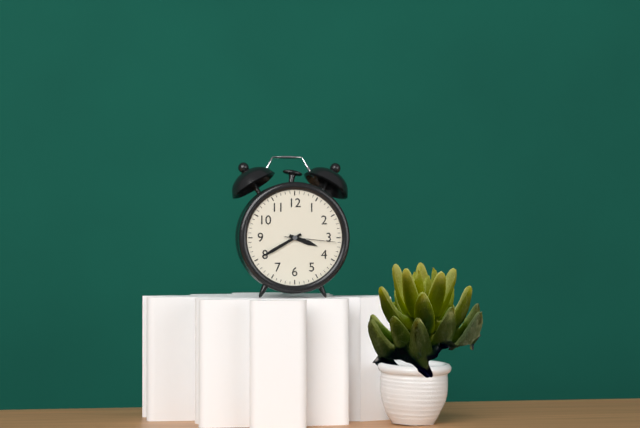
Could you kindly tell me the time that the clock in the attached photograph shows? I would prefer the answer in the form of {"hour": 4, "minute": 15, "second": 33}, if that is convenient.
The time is {"hour": 3, "minute": 40, "second": 16}
